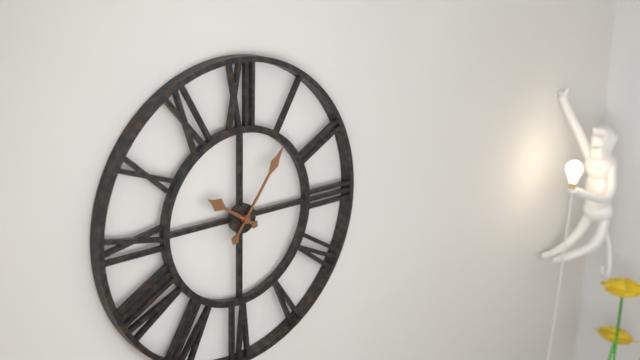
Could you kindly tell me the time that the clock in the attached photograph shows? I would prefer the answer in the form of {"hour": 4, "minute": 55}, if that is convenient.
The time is {"hour": 10, "minute": 6}
